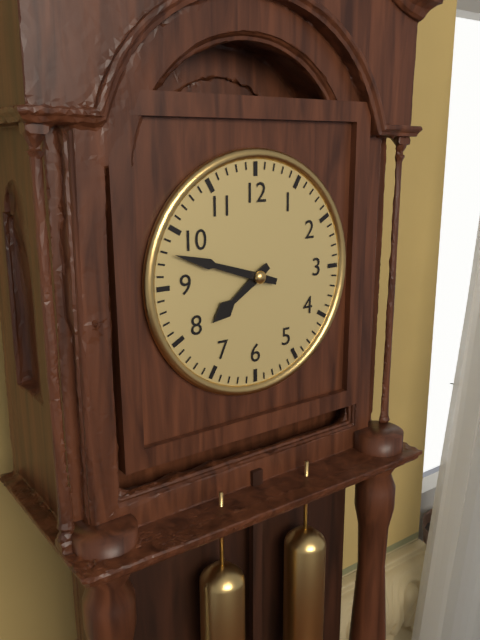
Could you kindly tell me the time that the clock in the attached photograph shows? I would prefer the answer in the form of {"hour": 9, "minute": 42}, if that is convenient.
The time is {"hour": 7, "minute": 48}
